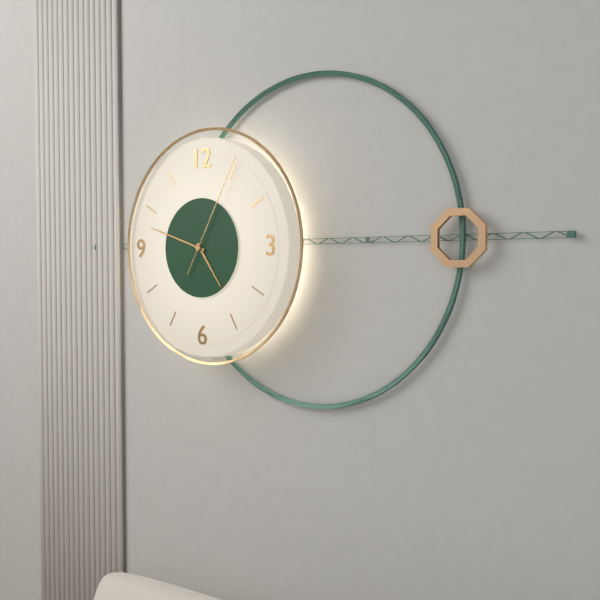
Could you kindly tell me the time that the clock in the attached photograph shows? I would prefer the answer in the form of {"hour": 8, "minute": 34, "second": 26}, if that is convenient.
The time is {"hour": 4, "minute": 48, "second": 5}
